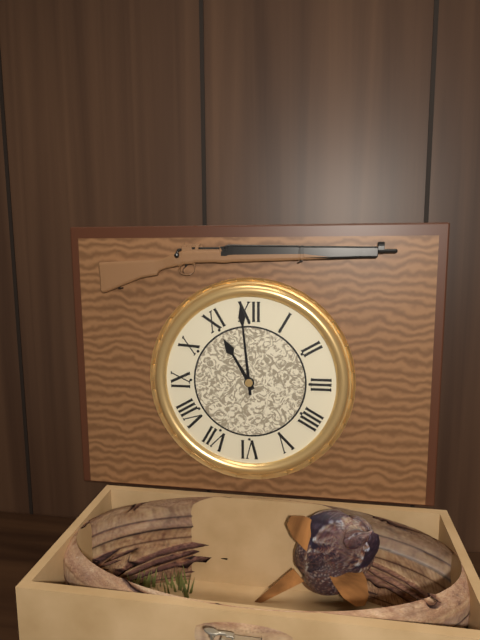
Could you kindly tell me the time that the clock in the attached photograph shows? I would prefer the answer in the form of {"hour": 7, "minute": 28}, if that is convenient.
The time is {"hour": 10, "minute": 59}
